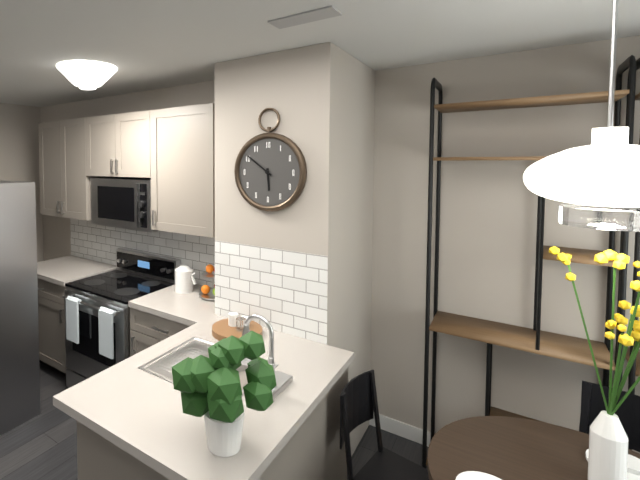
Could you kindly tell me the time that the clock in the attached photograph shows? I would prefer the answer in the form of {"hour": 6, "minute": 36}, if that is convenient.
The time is {"hour": 5, "minute": 51}
